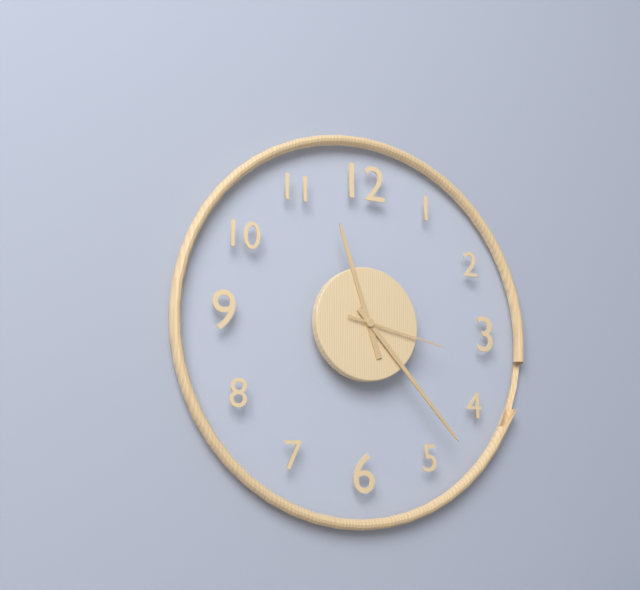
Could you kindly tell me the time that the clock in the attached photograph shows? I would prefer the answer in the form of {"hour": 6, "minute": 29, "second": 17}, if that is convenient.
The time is {"hour": 11, "minute": 23, "second": 17}
